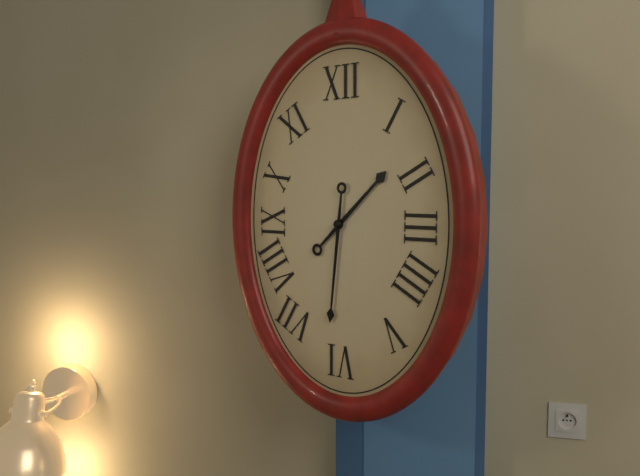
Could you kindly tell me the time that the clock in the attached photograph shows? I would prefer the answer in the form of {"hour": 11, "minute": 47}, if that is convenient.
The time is {"hour": 1, "minute": 31}
